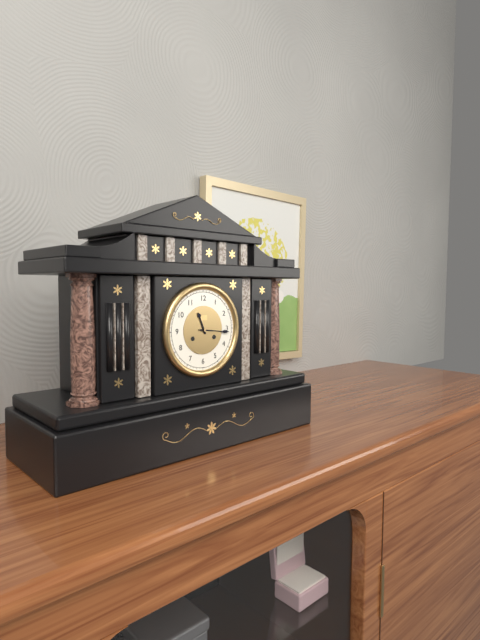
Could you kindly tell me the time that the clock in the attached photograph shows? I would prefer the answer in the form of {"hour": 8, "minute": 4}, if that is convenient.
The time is {"hour": 11, "minute": 16}
